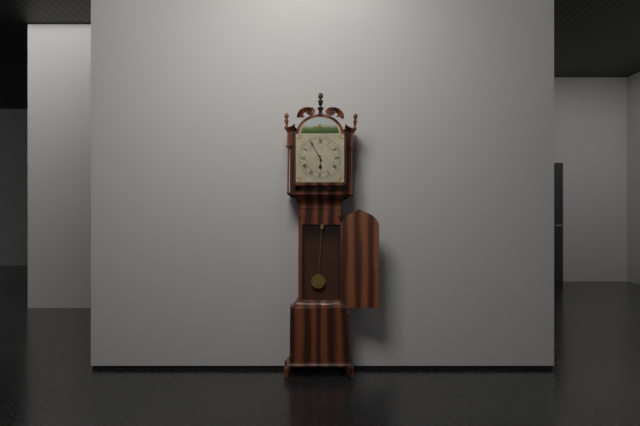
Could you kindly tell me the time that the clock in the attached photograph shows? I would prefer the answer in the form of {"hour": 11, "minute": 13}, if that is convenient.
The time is {"hour": 5, "minute": 55}
